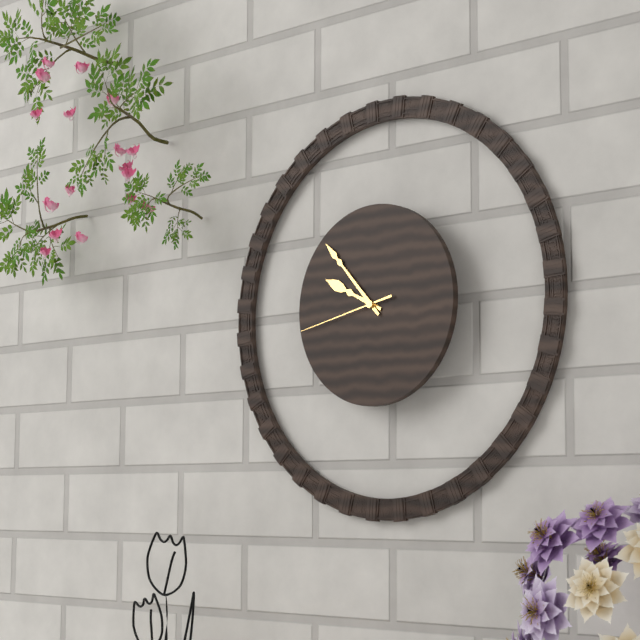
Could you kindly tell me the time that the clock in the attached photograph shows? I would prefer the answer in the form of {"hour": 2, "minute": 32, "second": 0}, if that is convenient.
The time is {"hour": 9, "minute": 53, "second": 43}
